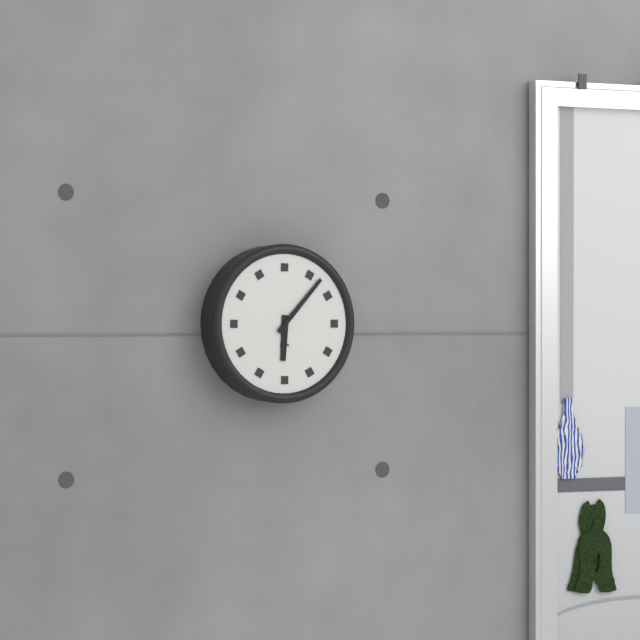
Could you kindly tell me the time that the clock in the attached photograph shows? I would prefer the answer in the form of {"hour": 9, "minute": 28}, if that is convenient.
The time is {"hour": 6, "minute": 7}
